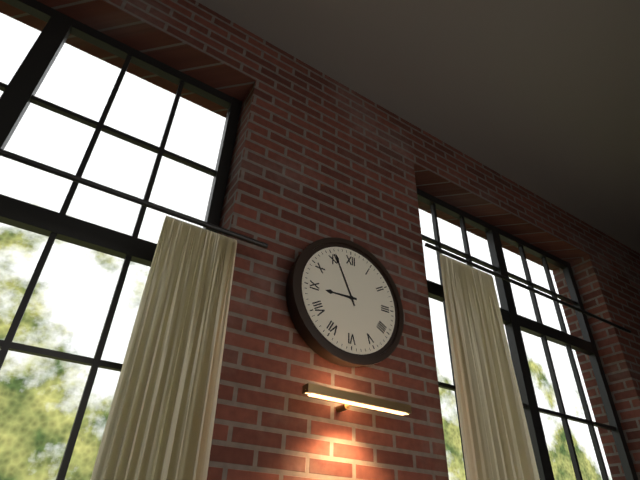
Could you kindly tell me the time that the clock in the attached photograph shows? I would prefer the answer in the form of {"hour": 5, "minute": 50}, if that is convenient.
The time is {"hour": 8, "minute": 56}
